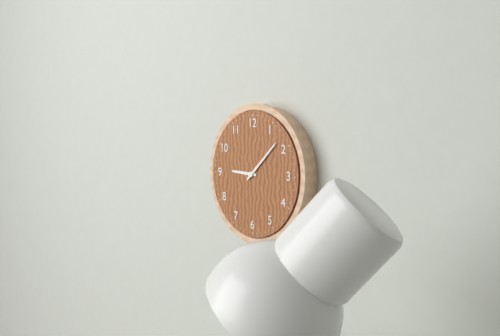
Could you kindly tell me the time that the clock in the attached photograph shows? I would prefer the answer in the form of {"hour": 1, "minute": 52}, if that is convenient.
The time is {"hour": 9, "minute": 8}
